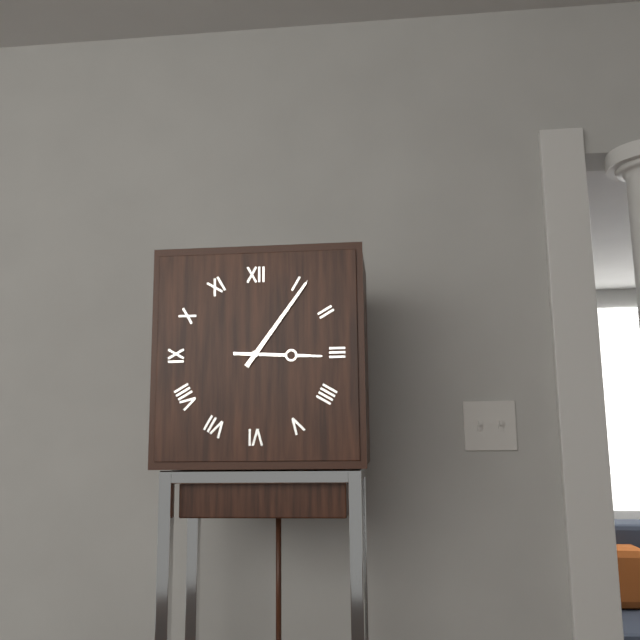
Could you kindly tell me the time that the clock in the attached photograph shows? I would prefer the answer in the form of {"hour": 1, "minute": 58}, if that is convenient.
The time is {"hour": 3, "minute": 6}
